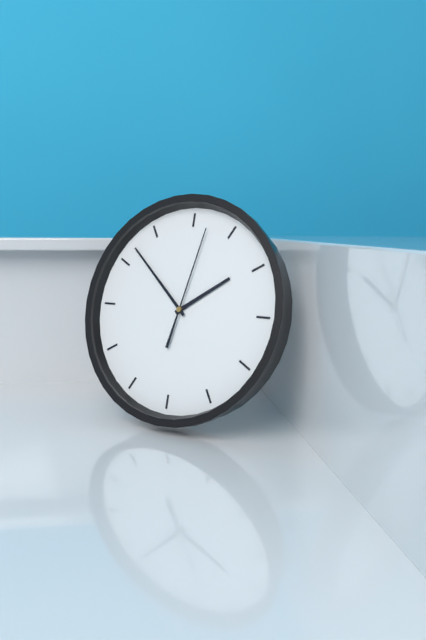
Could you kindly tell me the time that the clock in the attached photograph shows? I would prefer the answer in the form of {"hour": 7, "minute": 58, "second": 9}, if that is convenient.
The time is {"hour": 1, "minute": 52, "second": 2}
